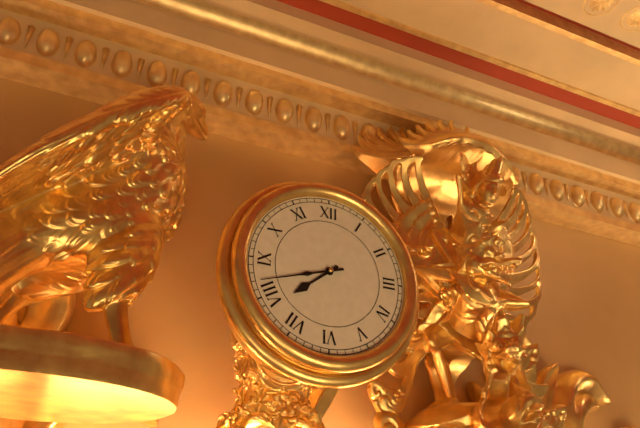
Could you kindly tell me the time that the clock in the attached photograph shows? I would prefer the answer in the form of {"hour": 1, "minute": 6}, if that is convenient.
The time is {"hour": 7, "minute": 42}
